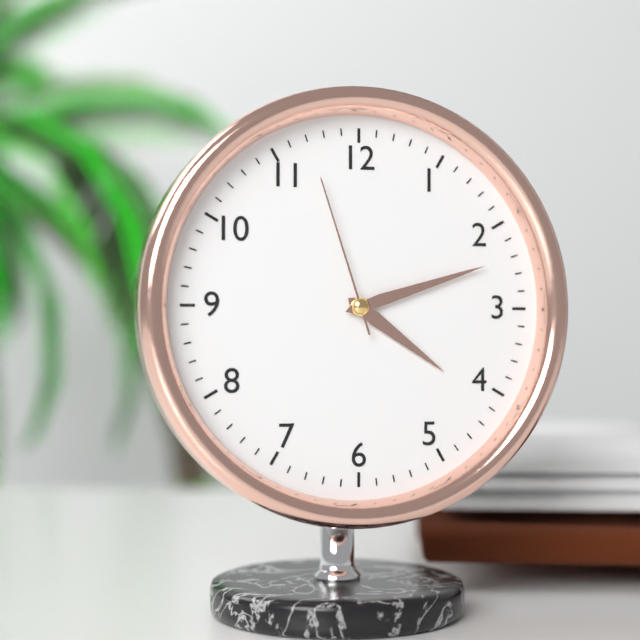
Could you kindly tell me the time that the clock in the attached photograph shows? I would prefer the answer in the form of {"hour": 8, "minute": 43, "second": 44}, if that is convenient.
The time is {"hour": 4, "minute": 12, "second": 57}
